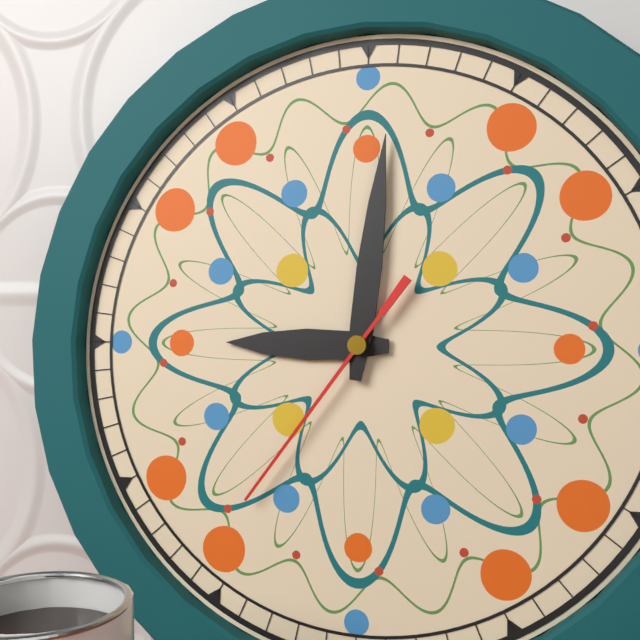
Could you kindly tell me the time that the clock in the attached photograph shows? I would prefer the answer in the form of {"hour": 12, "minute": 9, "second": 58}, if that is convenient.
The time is {"hour": 9, "minute": 1, "second": 36}
